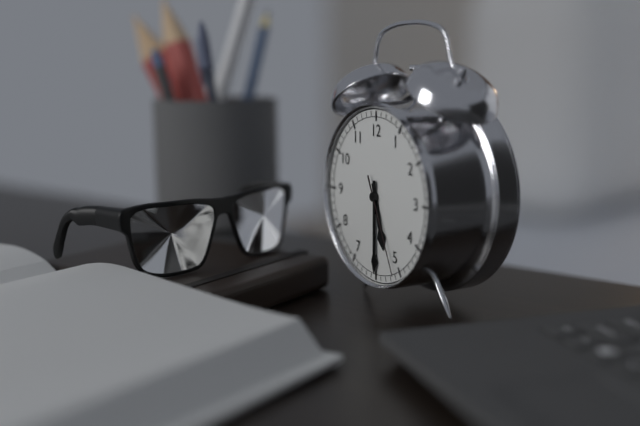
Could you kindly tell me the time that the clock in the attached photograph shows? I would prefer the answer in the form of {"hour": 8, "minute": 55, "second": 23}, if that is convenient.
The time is {"hour": 5, "minute": 30, "second": 26}
